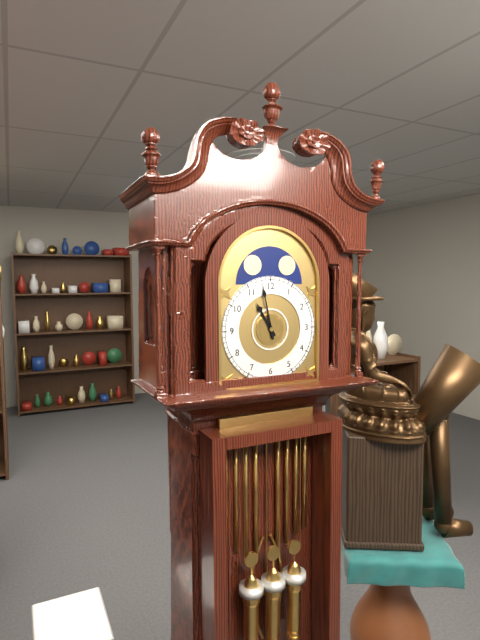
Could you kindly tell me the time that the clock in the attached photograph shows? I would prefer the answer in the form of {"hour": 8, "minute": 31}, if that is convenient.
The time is {"hour": 10, "minute": 58}
